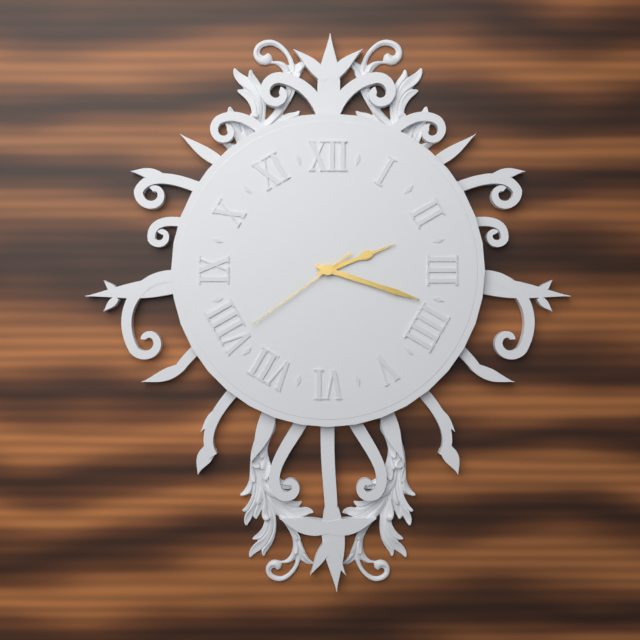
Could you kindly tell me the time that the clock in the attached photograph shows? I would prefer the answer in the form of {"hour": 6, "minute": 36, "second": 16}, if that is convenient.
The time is {"hour": 2, "minute": 18, "second": 39}
